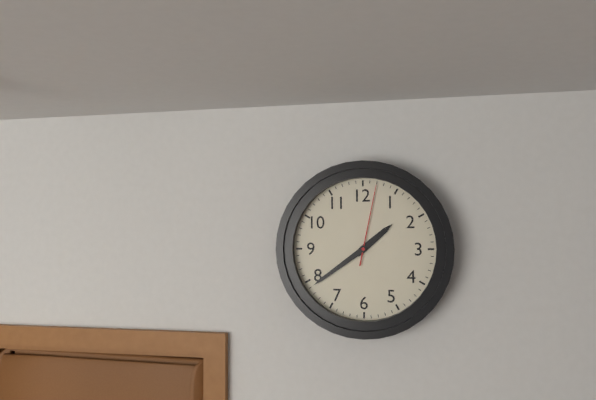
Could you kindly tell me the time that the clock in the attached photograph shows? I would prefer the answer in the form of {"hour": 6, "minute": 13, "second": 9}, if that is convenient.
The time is {"hour": 1, "minute": 39, "second": 2}
